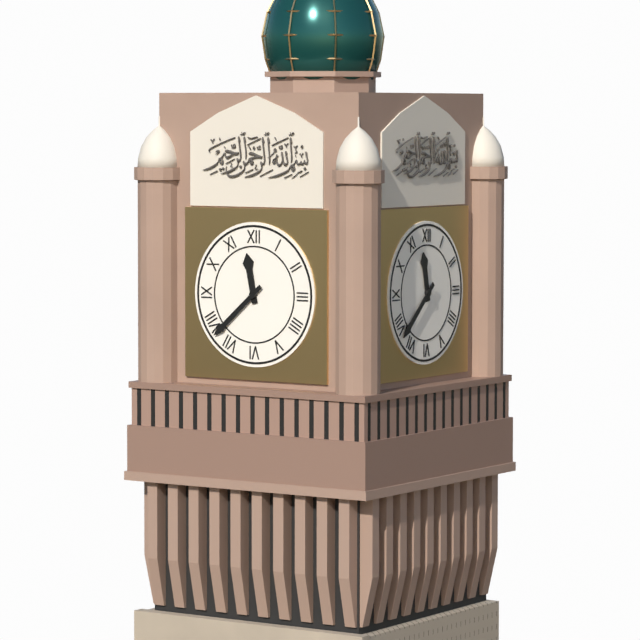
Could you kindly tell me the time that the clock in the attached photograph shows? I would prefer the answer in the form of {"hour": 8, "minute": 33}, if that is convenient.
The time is {"hour": 11, "minute": 38}
